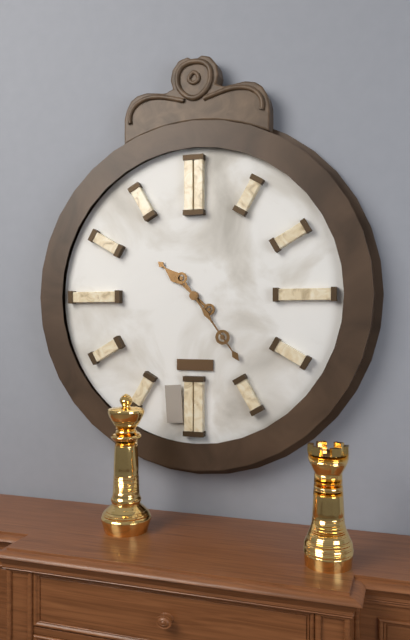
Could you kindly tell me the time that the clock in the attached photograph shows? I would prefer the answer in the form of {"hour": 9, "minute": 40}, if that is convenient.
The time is {"hour": 10, "minute": 24}
